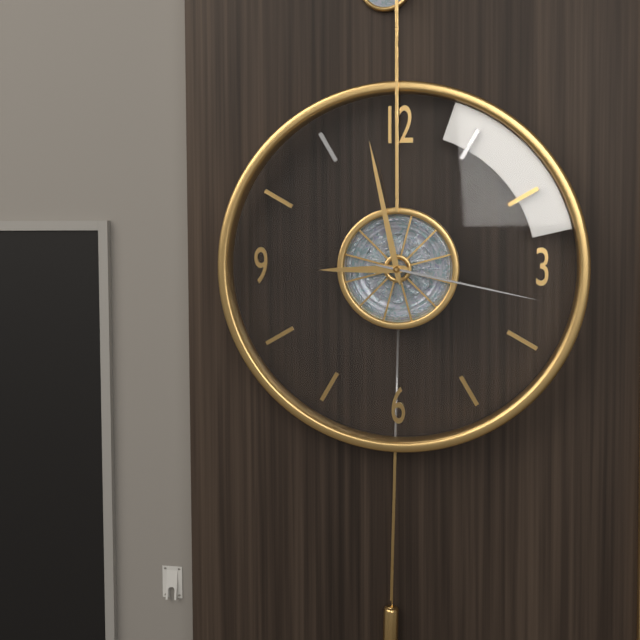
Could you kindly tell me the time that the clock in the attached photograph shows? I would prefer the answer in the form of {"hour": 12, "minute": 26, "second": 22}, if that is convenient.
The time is {"hour": 8, "minute": 58, "second": 17}
